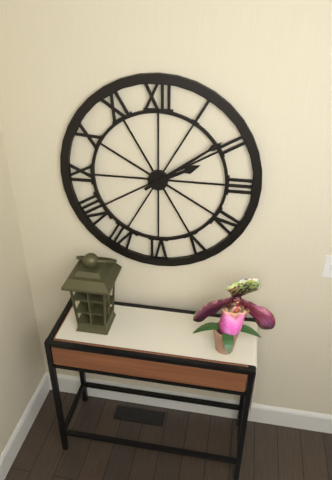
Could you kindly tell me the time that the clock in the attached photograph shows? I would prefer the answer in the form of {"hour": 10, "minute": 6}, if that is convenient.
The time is {"hour": 2, "minute": 9}
